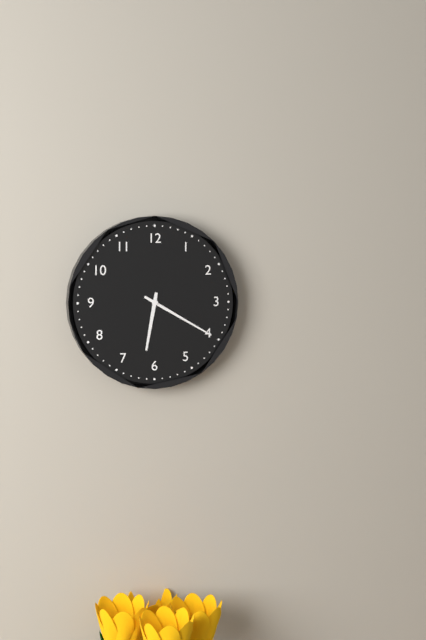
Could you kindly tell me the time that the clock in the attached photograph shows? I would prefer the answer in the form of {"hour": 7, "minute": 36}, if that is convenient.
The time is {"hour": 6, "minute": 20}
